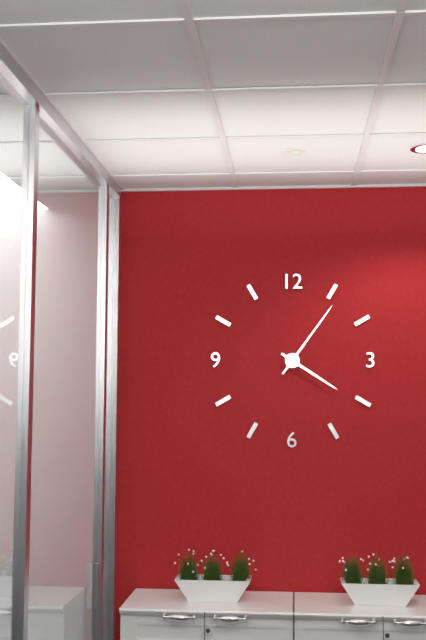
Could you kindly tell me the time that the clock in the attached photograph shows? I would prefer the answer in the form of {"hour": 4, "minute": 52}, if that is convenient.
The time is {"hour": 4, "minute": 6}
